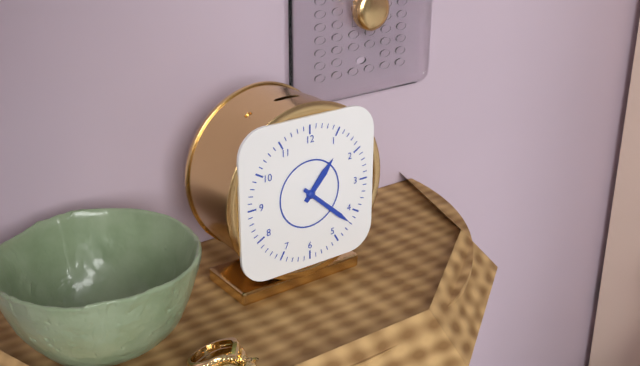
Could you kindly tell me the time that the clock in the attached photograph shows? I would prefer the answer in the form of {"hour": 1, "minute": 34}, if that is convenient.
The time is {"hour": 1, "minute": 22}
